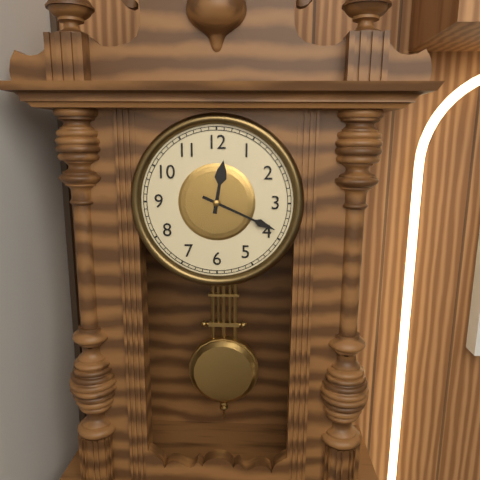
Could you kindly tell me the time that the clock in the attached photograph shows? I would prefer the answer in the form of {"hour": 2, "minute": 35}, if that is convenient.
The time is {"hour": 12, "minute": 19}
